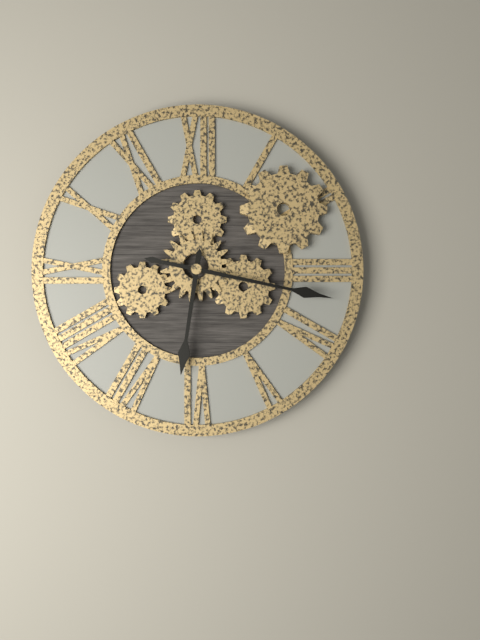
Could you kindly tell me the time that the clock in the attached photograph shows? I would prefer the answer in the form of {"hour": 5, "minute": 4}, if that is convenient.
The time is {"hour": 6, "minute": 17}
